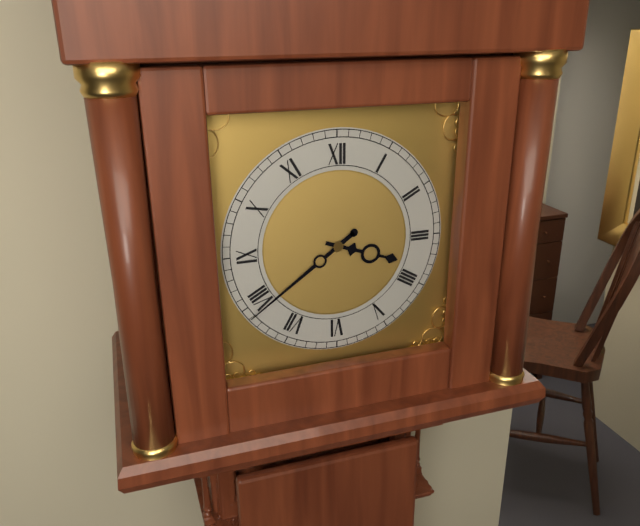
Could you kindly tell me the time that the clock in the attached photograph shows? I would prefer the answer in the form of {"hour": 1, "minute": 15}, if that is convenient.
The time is {"hour": 3, "minute": 39}
